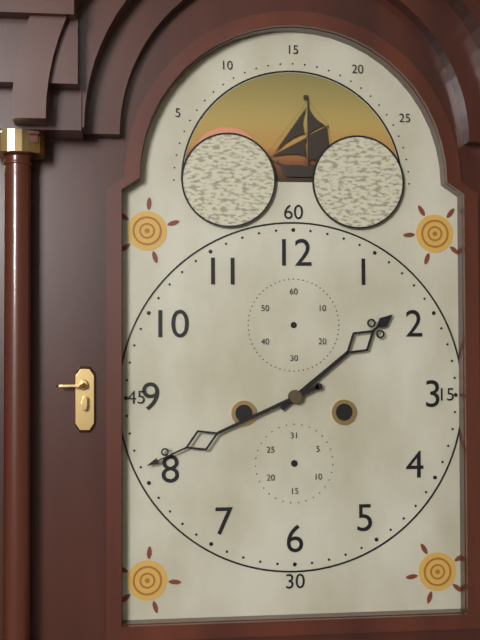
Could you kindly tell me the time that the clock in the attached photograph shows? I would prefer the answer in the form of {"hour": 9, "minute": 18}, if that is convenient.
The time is {"hour": 1, "minute": 41}
